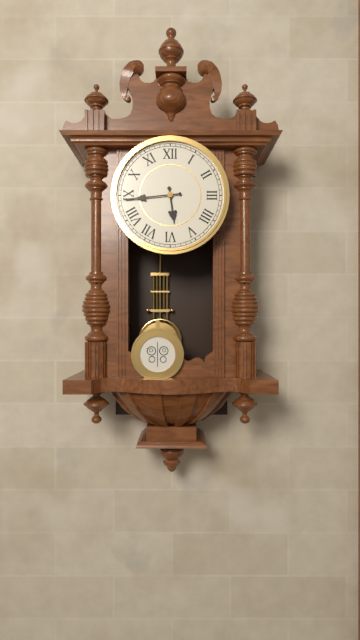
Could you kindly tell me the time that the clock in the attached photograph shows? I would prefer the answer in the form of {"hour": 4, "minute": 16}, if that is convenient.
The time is {"hour": 5, "minute": 44}
